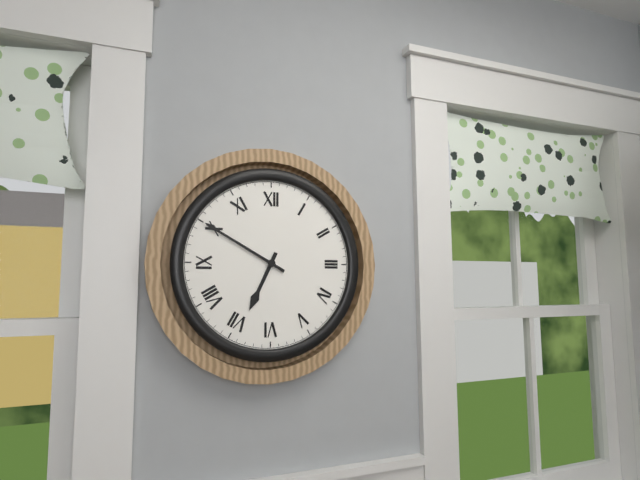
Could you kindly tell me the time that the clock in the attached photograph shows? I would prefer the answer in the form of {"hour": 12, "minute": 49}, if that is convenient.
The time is {"hour": 6, "minute": 50}
